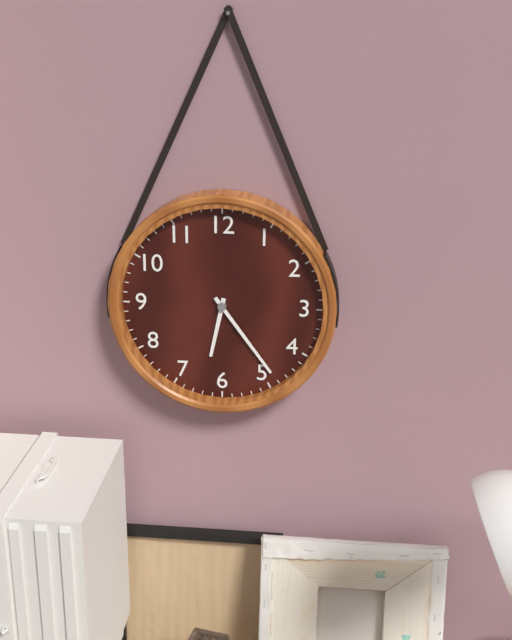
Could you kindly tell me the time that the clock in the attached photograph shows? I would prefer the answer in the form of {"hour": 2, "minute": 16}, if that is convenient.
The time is {"hour": 6, "minute": 24}
